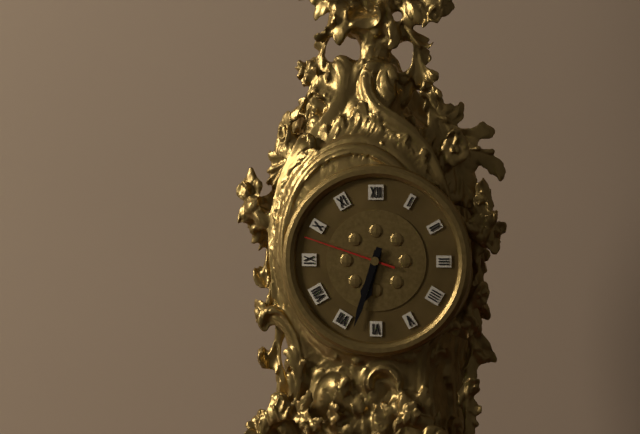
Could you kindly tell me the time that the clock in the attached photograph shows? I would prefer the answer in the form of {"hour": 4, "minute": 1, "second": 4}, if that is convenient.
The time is {"hour": 6, "minute": 33, "second": 48}
